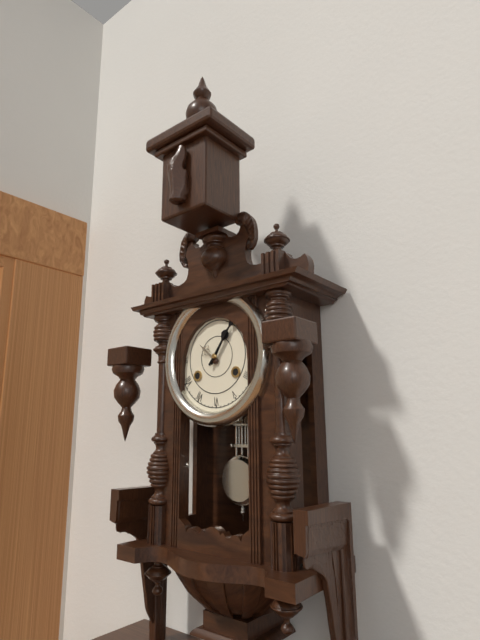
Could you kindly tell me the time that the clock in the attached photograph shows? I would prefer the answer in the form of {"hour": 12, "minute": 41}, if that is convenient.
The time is {"hour": 1, "minute": 6}
